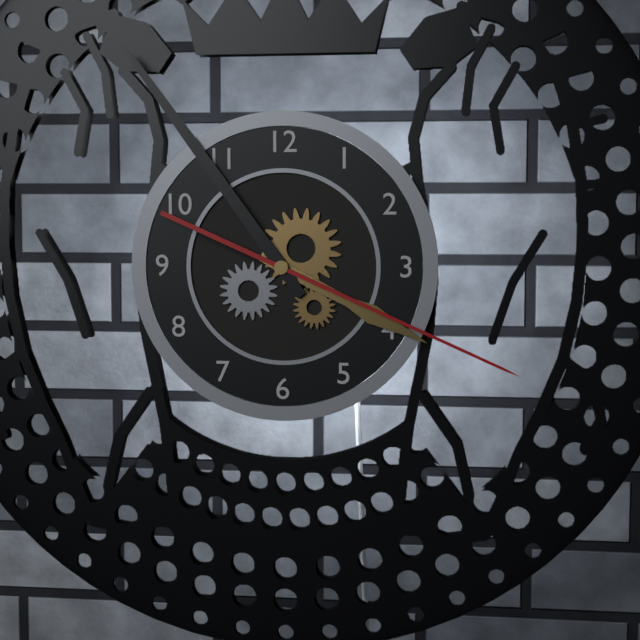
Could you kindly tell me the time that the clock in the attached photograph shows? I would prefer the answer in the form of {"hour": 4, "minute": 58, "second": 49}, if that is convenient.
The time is {"hour": 3, "minute": 54, "second": 19}
